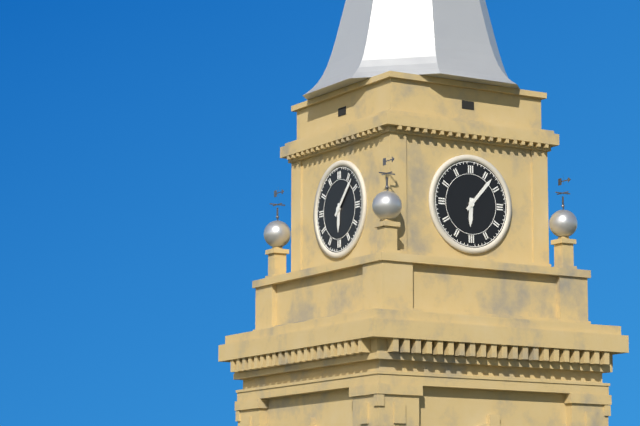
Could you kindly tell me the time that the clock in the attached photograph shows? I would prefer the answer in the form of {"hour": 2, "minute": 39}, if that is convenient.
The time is {"hour": 6, "minute": 7}
